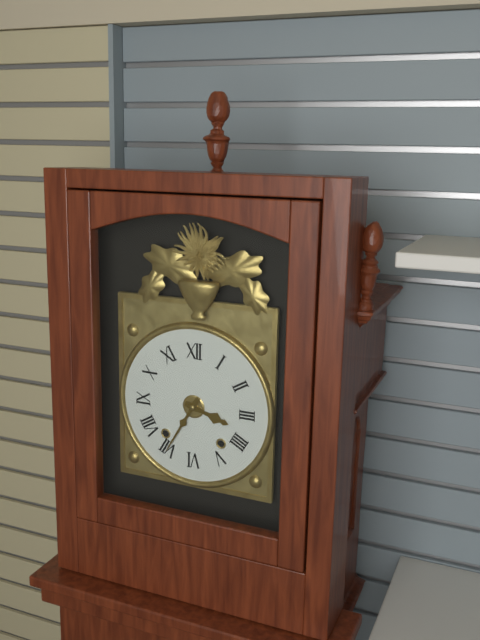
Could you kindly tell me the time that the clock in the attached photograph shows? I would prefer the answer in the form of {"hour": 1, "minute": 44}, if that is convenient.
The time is {"hour": 3, "minute": 35}
